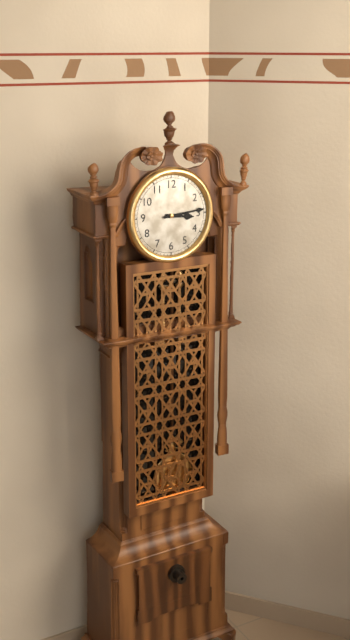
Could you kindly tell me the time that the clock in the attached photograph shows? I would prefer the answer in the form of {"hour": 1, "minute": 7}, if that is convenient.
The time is {"hour": 3, "minute": 14}
